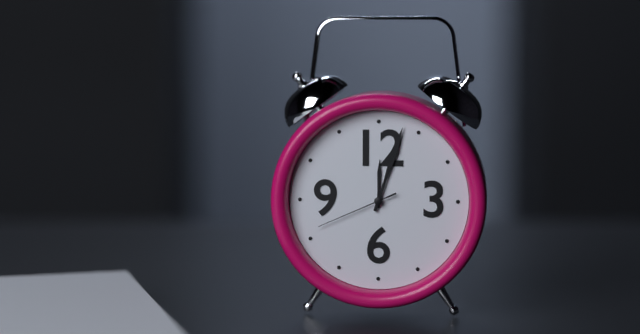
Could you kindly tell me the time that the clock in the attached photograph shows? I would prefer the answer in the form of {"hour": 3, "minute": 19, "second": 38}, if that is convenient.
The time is {"hour": 12, "minute": 3, "second": 41}
